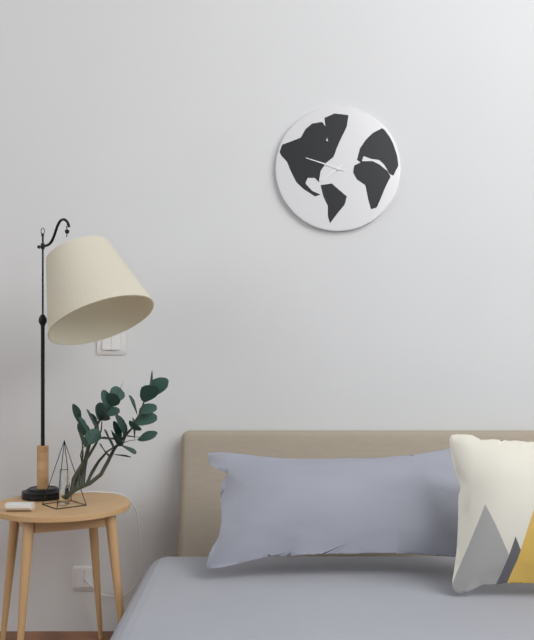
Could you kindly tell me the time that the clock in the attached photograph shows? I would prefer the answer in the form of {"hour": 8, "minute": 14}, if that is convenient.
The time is {"hour": 7, "minute": 48}
